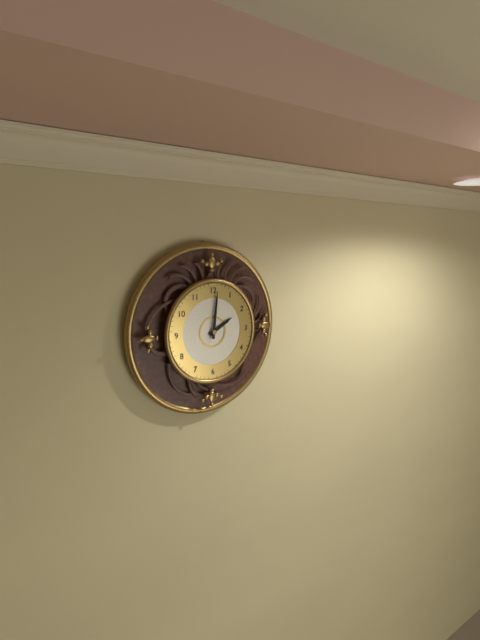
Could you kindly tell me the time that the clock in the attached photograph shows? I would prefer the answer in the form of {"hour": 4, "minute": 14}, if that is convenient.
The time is {"hour": 2, "minute": 1}
